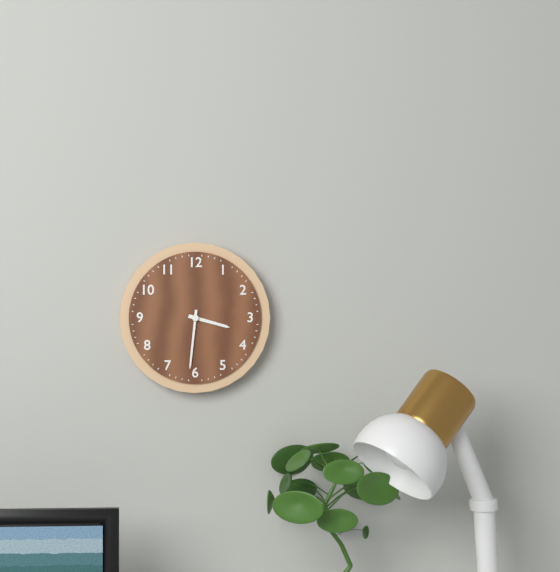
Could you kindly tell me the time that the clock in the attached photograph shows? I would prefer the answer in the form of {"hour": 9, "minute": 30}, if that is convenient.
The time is {"hour": 3, "minute": 31}
